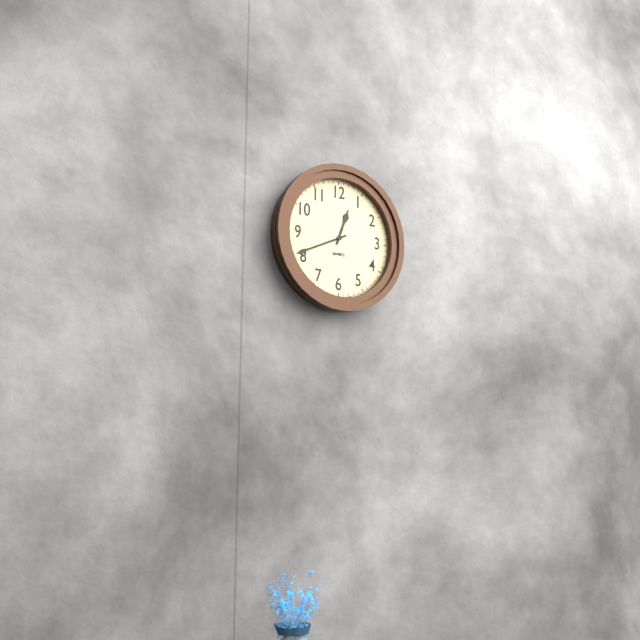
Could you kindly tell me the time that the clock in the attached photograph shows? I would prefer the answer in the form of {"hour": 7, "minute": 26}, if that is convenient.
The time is {"hour": 12, "minute": 41}
